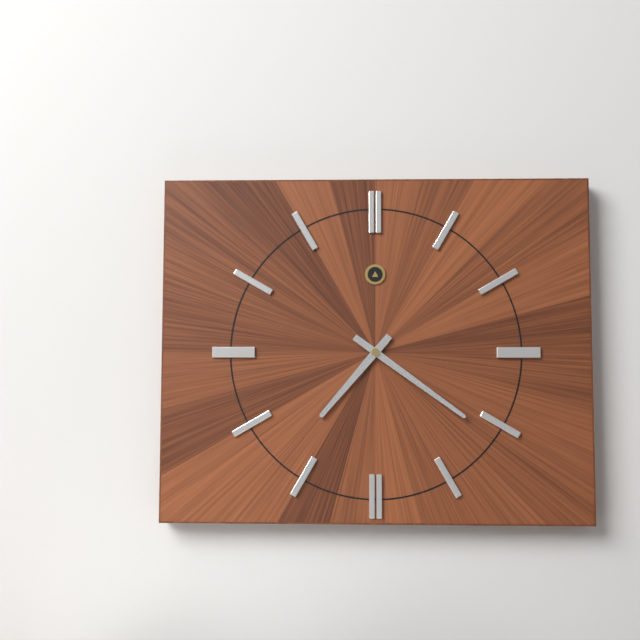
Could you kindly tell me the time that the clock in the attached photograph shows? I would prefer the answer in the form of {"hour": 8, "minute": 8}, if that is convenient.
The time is {"hour": 7, "minute": 21}
